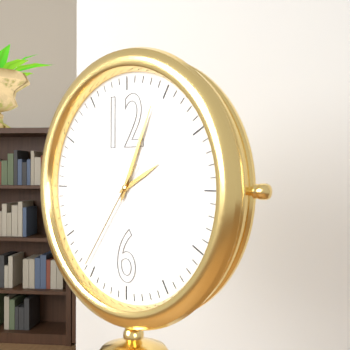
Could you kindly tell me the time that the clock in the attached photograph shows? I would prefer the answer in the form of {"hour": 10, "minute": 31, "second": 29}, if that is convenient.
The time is {"hour": 2, "minute": 4, "second": 36}
